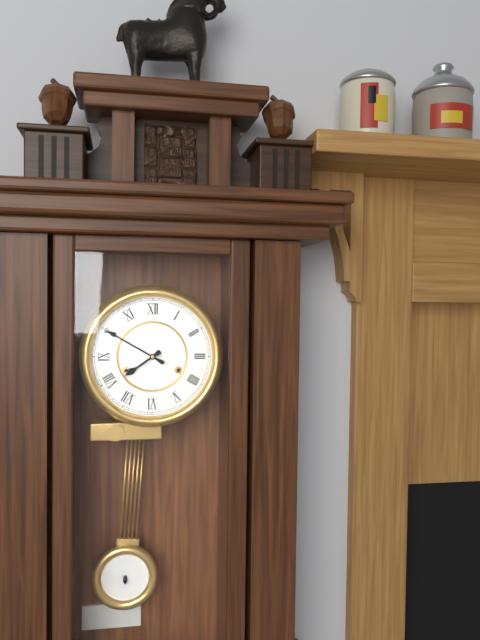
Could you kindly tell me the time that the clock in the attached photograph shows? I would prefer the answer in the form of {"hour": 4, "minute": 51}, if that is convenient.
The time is {"hour": 7, "minute": 50}
